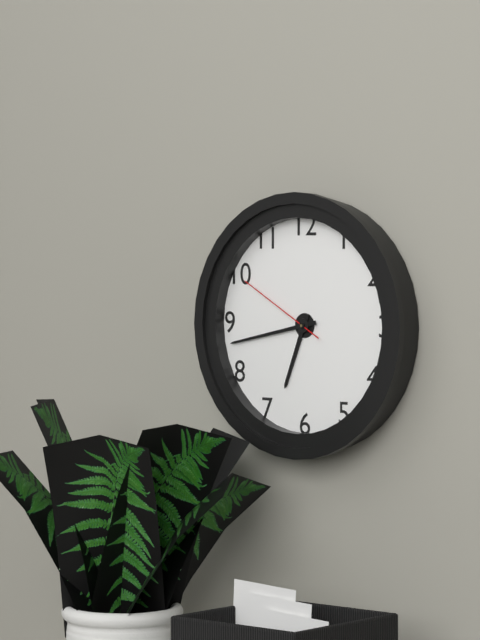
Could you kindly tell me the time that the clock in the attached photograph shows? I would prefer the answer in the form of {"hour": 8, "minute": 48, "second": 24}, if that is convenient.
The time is {"hour": 6, "minute": 43, "second": 50}
